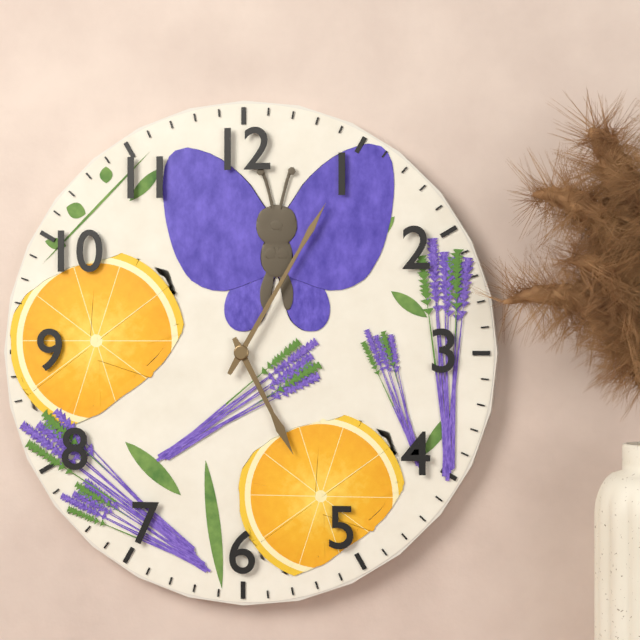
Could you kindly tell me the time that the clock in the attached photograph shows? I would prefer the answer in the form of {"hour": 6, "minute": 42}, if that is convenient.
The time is {"hour": 5, "minute": 5}
